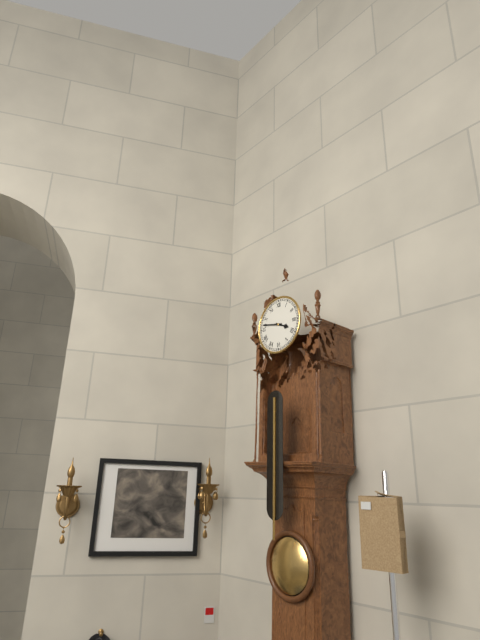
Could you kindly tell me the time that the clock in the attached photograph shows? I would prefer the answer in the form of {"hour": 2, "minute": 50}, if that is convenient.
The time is {"hour": 3, "minute": 47}
